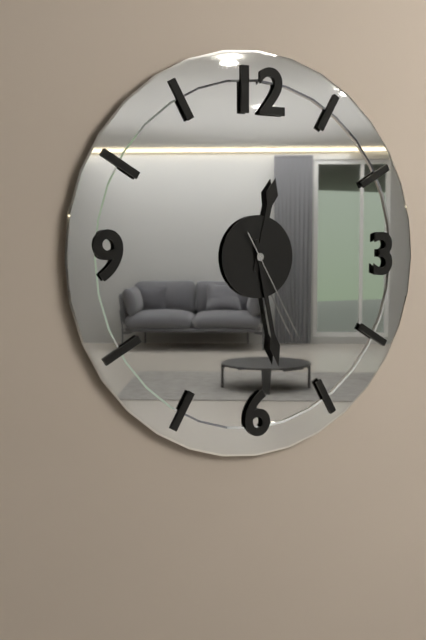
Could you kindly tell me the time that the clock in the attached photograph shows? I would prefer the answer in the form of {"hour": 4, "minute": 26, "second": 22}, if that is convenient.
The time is {"hour": 12, "minute": 28, "second": 25}
